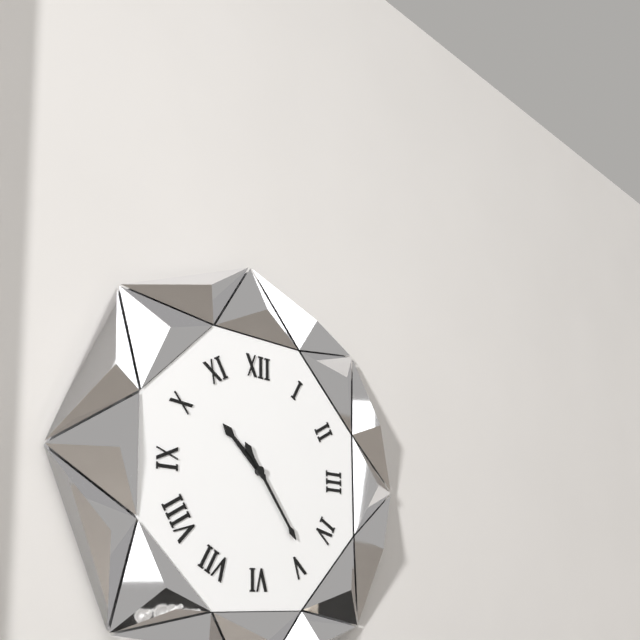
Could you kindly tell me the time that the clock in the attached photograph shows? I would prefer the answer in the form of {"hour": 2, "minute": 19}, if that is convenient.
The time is {"hour": 10, "minute": 24}
